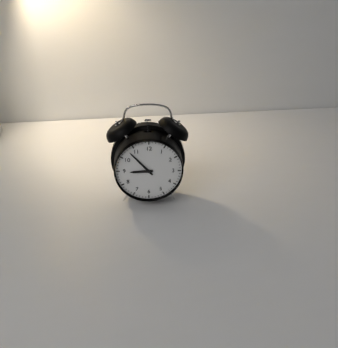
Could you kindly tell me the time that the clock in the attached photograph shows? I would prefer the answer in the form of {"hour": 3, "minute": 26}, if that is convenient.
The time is {"hour": 8, "minute": 53}
